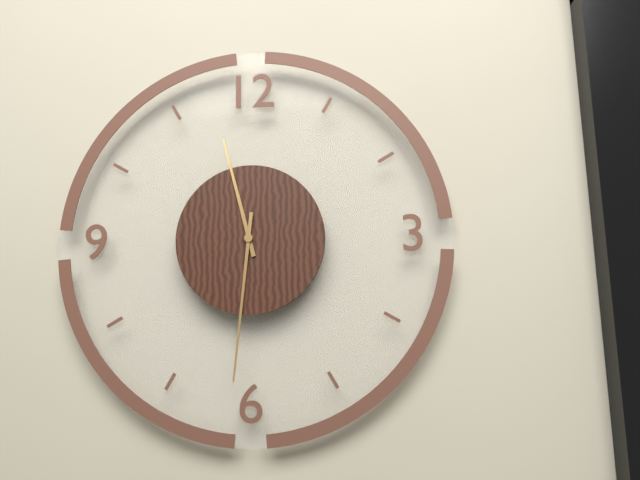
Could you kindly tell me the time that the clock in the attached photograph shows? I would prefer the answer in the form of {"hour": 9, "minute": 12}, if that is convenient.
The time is {"hour": 11, "minute": 31}
